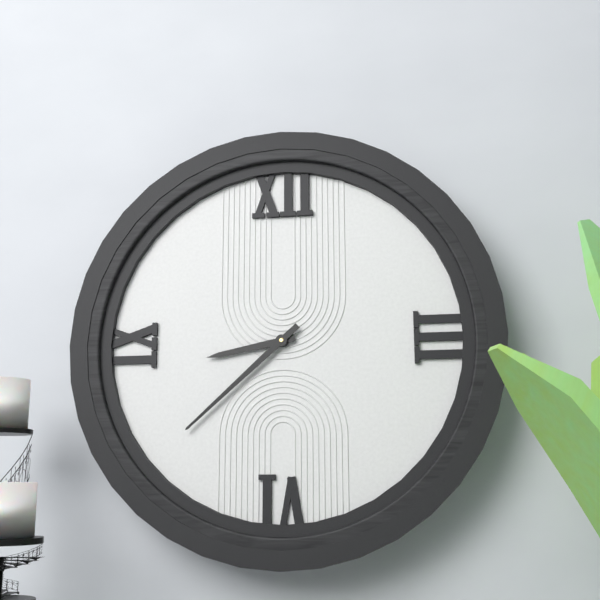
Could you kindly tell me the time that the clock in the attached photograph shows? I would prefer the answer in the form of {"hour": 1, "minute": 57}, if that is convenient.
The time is {"hour": 8, "minute": 38}
